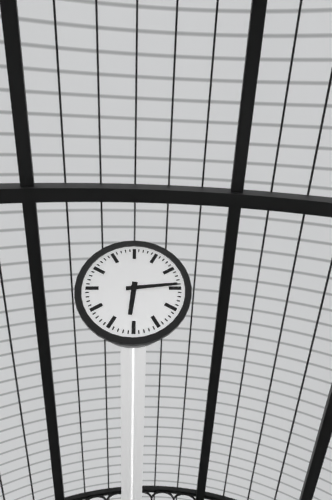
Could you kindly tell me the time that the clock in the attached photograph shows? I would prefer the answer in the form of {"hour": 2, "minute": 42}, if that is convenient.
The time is {"hour": 6, "minute": 14}
